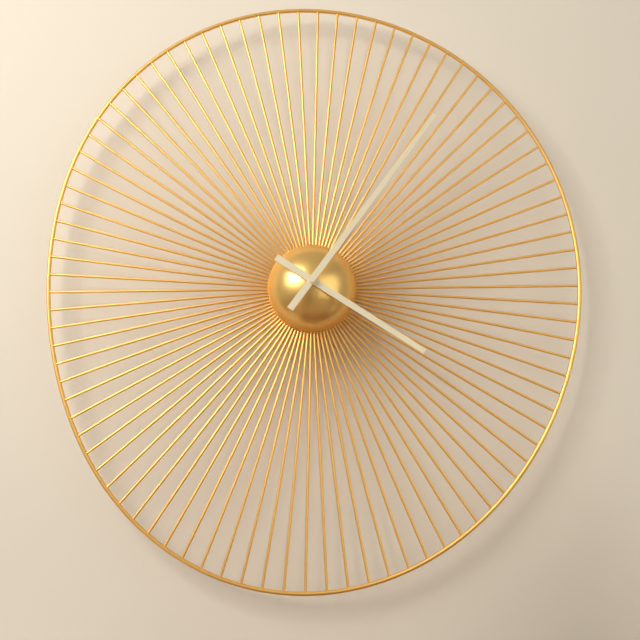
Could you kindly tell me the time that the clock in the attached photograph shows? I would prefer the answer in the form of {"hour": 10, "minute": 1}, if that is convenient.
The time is {"hour": 4, "minute": 6}
